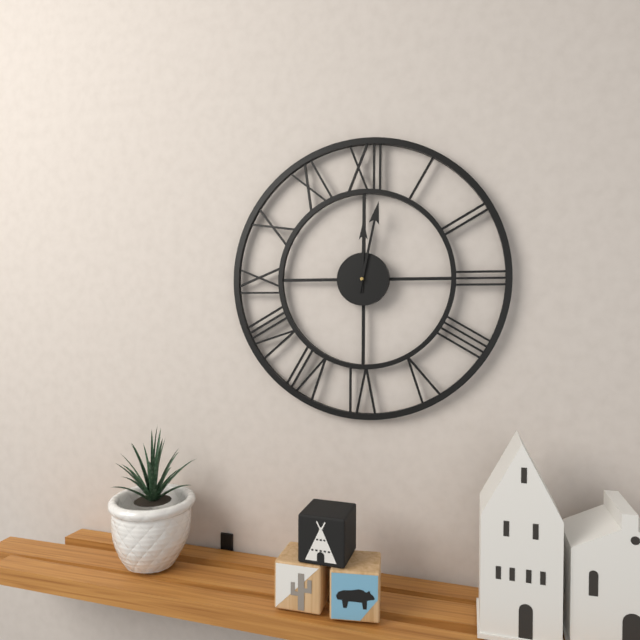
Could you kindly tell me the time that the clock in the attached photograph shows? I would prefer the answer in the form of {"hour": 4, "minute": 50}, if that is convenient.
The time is {"hour": 12, "minute": 2}
